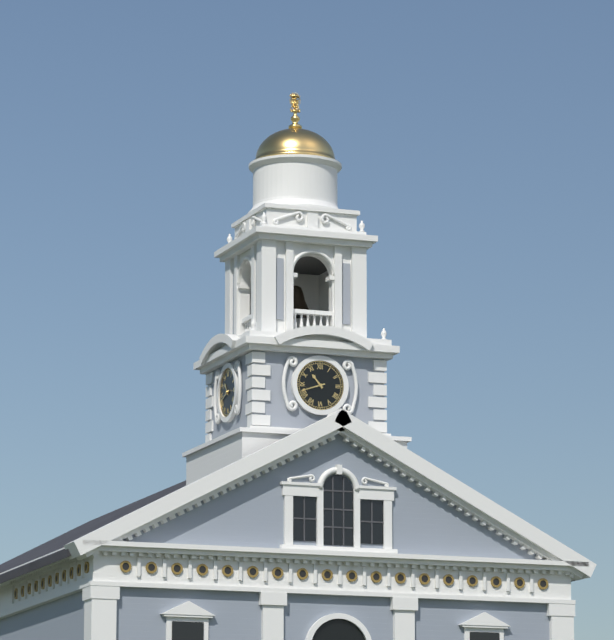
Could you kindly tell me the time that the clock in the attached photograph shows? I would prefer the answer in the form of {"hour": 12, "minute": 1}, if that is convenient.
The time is {"hour": 10, "minute": 42}
